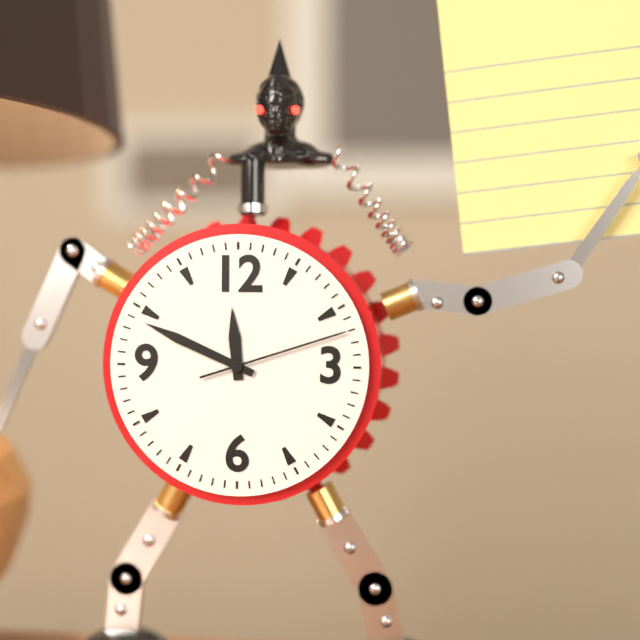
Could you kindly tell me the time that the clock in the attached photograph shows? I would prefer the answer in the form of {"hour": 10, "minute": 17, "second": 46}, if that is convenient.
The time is {"hour": 11, "minute": 49, "second": 12}
